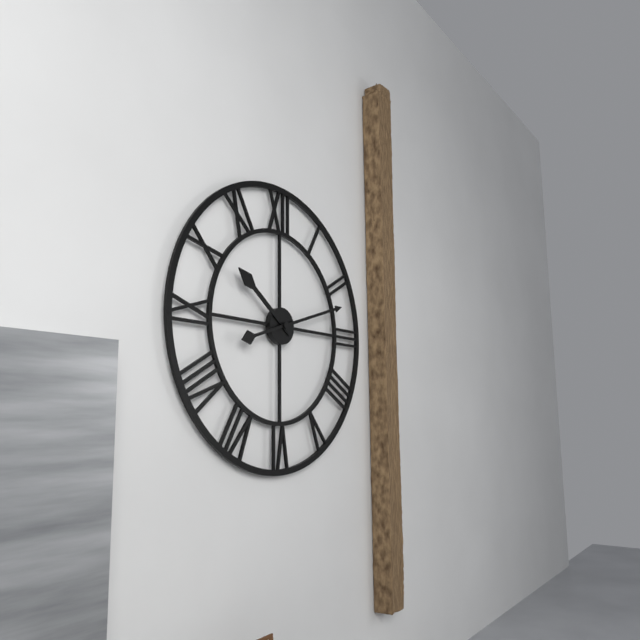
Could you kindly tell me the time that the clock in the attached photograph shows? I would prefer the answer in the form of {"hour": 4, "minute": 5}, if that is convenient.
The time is {"hour": 10, "minute": 12}
